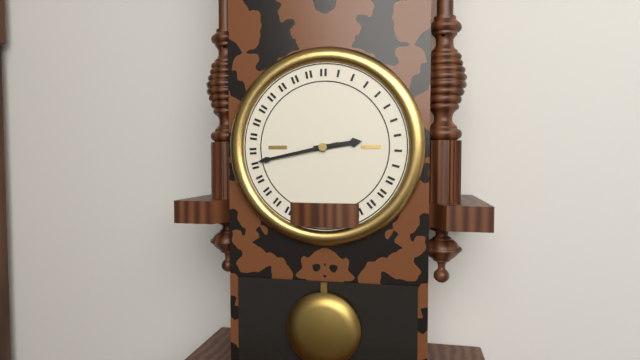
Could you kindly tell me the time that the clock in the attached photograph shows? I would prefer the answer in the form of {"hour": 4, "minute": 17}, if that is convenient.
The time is {"hour": 2, "minute": 43}
